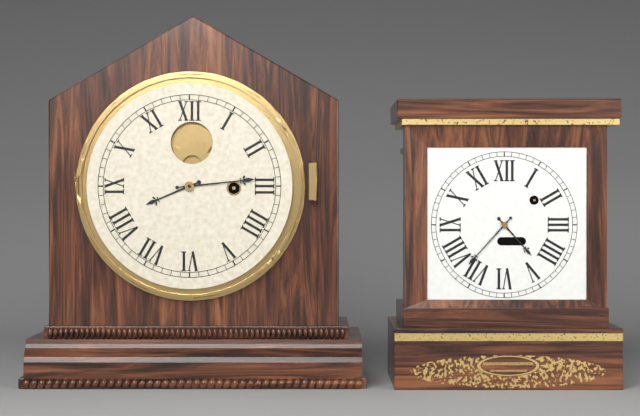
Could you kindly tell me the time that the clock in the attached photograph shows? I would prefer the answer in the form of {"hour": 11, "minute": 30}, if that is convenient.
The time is {"hour": 8, "minute": 14}
